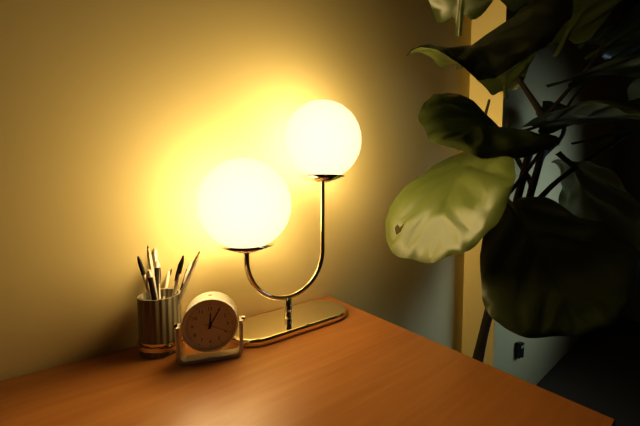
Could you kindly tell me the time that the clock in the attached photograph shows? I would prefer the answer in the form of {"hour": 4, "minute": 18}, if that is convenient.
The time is {"hour": 12, "minute": 5}
